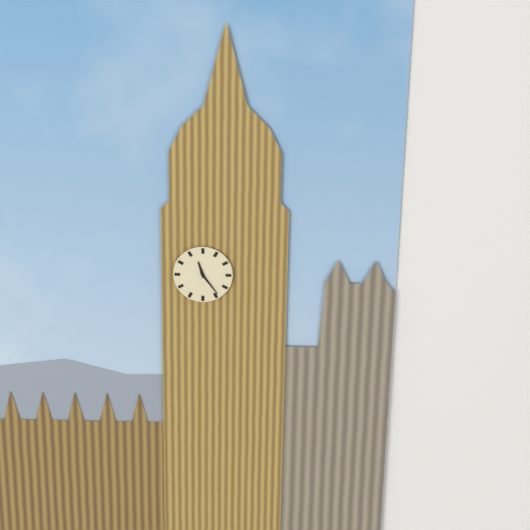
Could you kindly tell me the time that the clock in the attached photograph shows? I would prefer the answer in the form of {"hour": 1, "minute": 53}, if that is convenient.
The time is {"hour": 11, "minute": 24}
